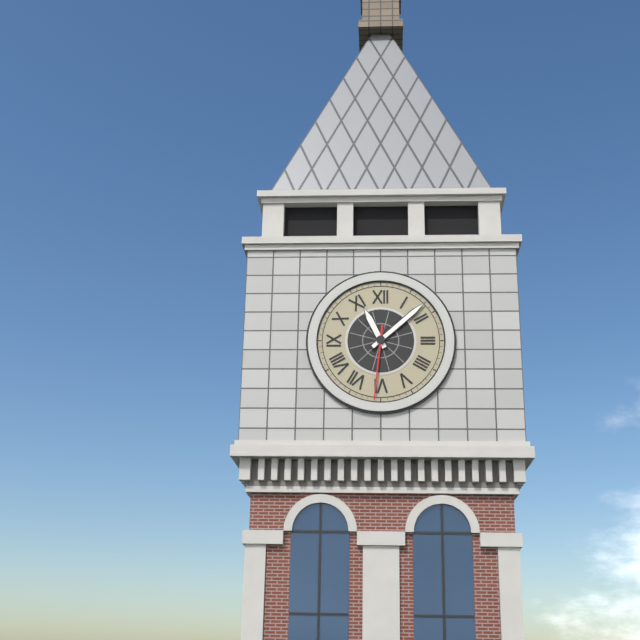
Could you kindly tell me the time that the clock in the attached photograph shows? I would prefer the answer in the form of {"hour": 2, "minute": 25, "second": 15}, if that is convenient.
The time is {"hour": 11, "minute": 8, "second": 31}
